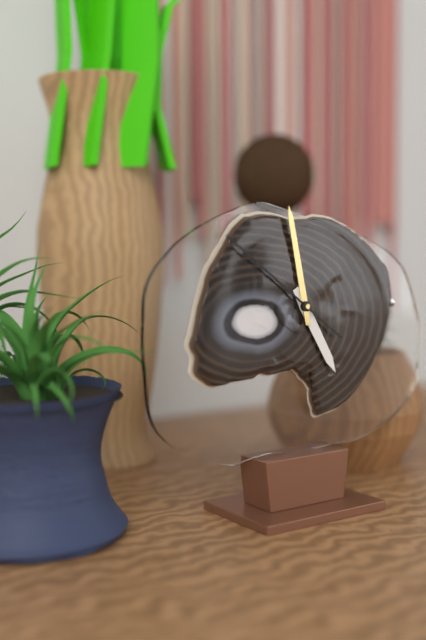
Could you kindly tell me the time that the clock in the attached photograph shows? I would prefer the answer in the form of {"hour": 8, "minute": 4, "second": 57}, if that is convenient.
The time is {"hour": 4, "minute": 58, "second": 51}
